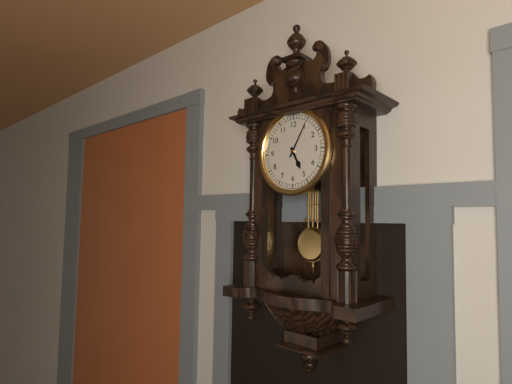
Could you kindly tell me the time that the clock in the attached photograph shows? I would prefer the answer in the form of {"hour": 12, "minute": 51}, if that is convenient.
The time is {"hour": 5, "minute": 5}
